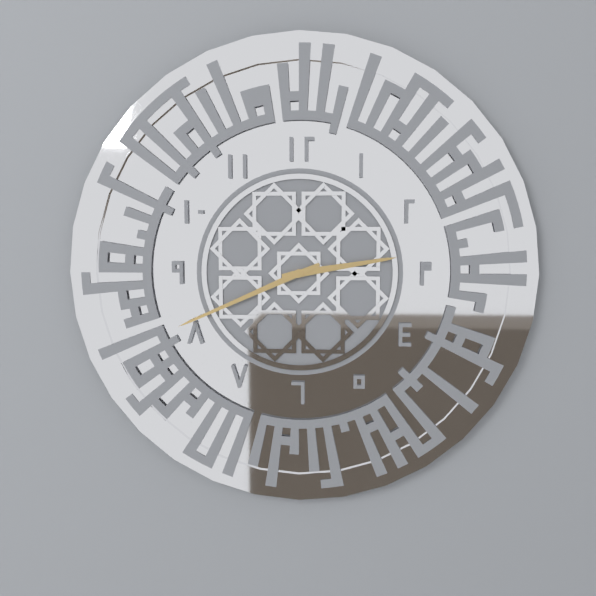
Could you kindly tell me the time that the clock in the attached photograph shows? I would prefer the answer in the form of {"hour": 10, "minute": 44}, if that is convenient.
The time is {"hour": 2, "minute": 41}
